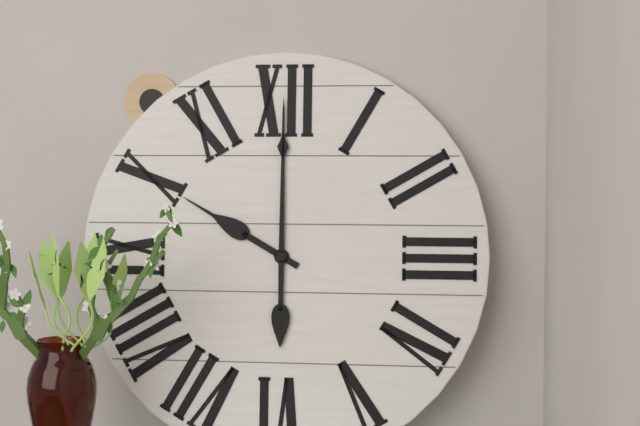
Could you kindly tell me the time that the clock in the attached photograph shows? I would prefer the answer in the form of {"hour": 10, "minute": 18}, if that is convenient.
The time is {"hour": 10, "minute": 0}
